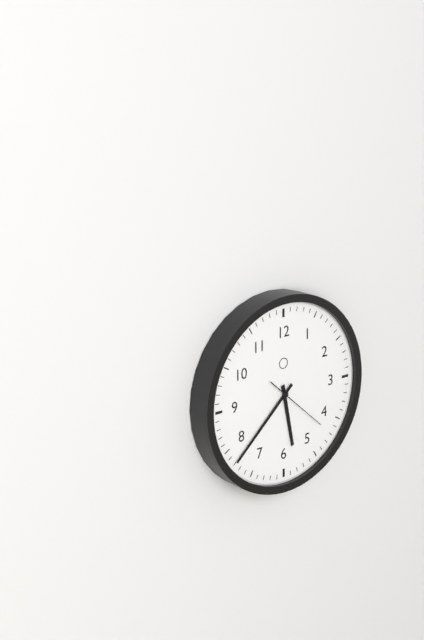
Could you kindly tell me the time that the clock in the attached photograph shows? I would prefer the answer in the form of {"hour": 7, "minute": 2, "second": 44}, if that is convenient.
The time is {"hour": 5, "minute": 38, "second": 22}
